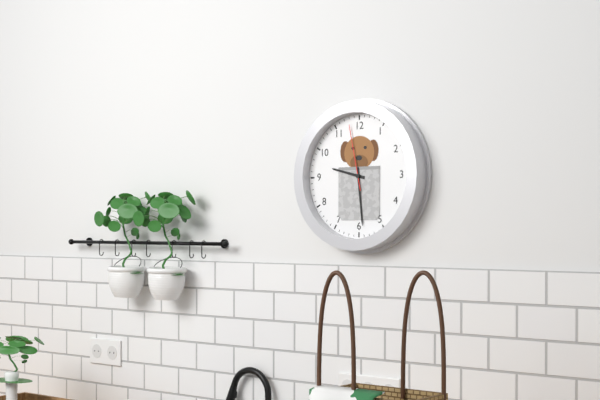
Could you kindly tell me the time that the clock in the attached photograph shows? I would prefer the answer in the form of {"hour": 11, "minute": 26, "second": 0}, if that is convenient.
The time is {"hour": 9, "minute": 29, "second": 58}
